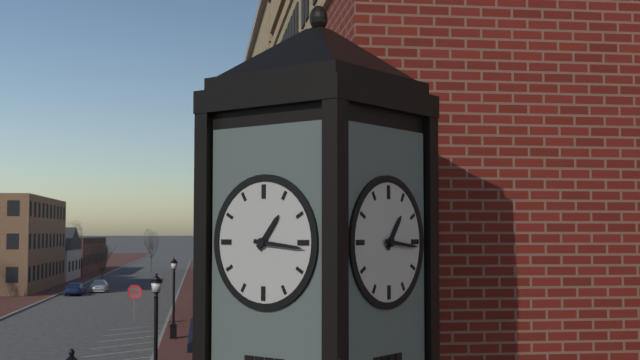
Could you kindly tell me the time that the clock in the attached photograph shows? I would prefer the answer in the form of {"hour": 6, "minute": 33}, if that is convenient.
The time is {"hour": 1, "minute": 16}
